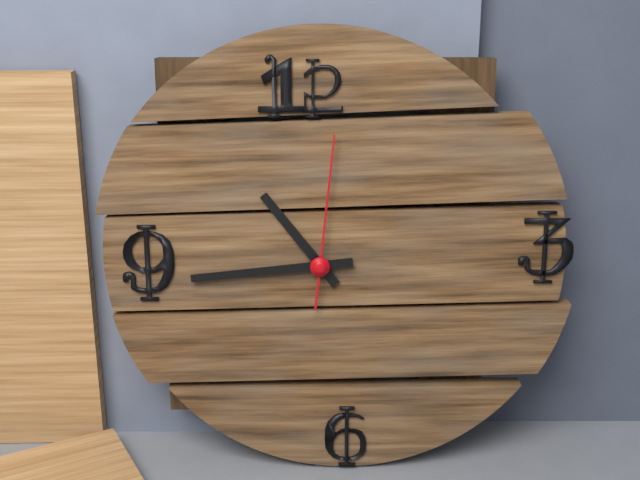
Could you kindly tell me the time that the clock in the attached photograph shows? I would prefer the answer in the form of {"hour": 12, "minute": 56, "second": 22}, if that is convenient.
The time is {"hour": 10, "minute": 44, "second": 1}
